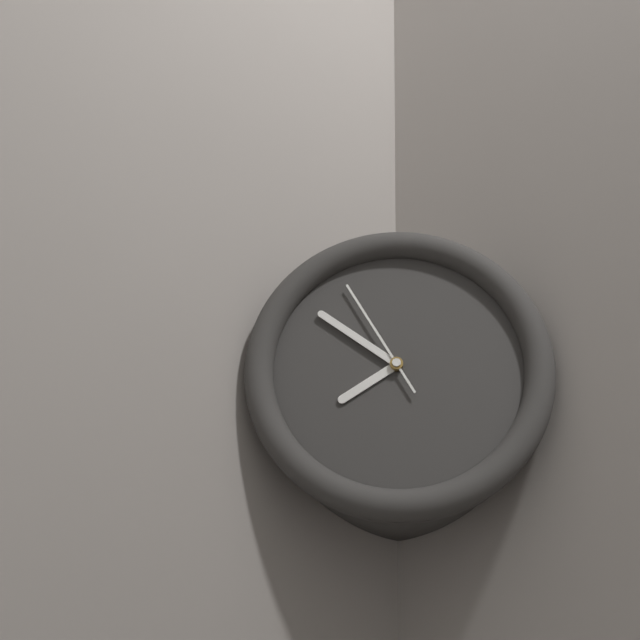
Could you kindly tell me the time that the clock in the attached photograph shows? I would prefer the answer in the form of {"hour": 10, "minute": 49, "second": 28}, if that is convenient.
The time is {"hour": 7, "minute": 51, "second": 55}
